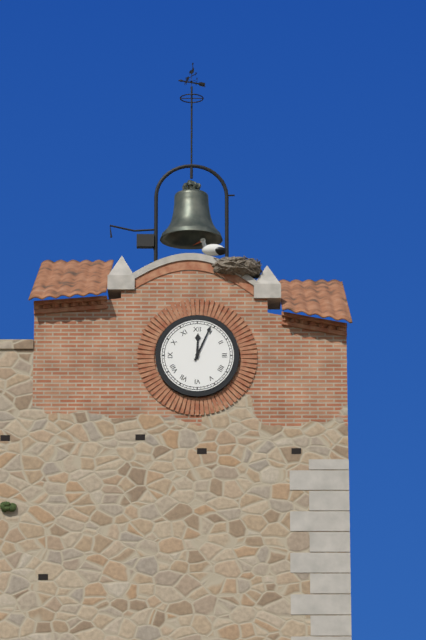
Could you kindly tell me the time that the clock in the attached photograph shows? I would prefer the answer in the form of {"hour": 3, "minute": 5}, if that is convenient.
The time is {"hour": 12, "minute": 4}
